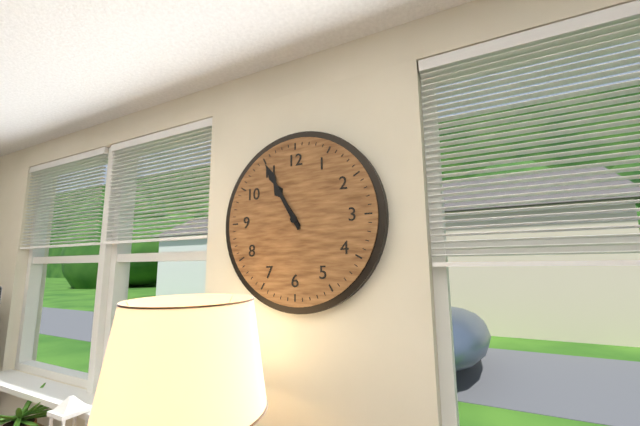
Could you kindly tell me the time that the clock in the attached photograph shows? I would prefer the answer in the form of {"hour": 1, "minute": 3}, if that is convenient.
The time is {"hour": 10, "minute": 55}
